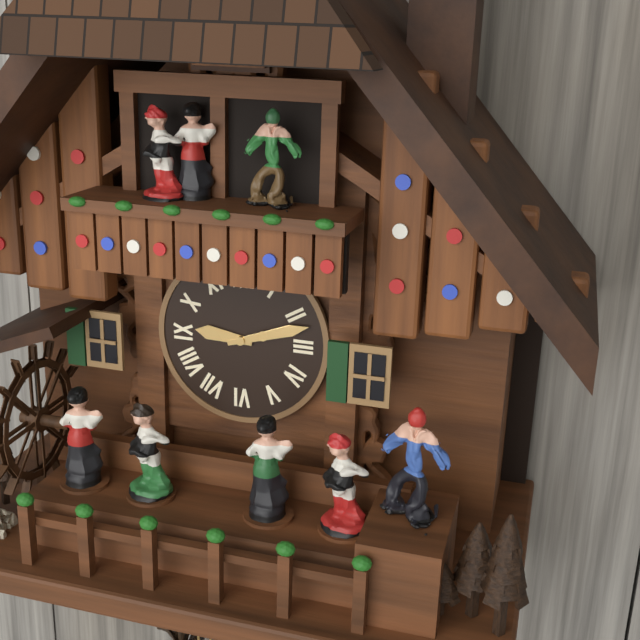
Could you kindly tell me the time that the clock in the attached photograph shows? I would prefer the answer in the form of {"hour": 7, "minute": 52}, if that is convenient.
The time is {"hour": 9, "minute": 12}
